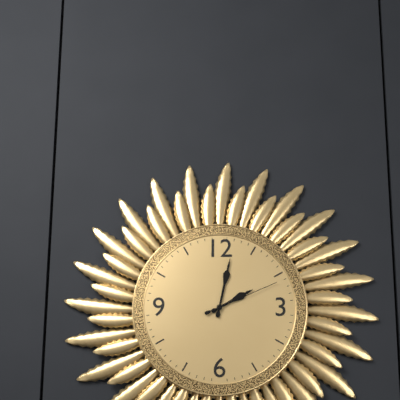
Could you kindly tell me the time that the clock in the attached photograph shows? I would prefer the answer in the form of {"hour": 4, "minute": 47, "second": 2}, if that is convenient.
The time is {"hour": 2, "minute": 2, "second": 11}
